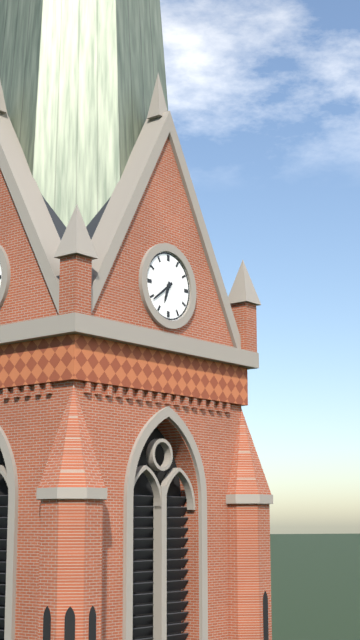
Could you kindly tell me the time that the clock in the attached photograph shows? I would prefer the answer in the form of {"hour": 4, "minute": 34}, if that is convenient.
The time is {"hour": 6, "minute": 39}
